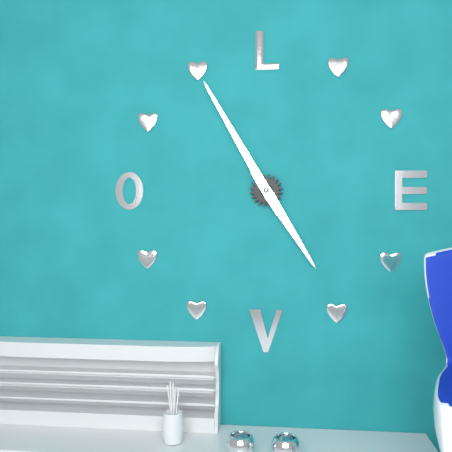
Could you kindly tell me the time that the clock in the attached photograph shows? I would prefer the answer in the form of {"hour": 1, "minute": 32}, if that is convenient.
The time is {"hour": 4, "minute": 55}
